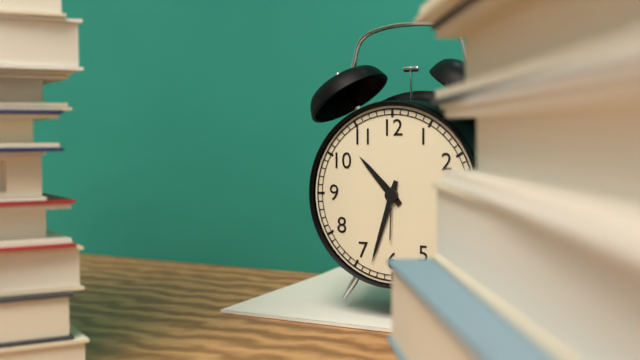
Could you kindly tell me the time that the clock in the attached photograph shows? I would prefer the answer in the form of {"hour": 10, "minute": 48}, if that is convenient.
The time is {"hour": 10, "minute": 33}
